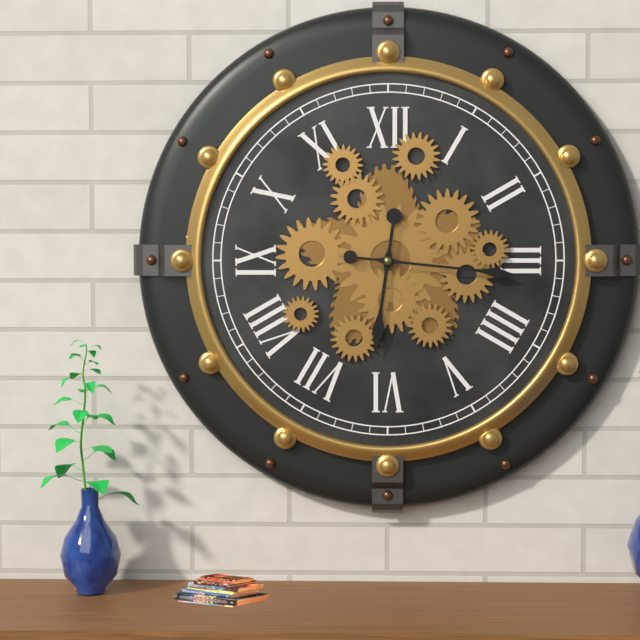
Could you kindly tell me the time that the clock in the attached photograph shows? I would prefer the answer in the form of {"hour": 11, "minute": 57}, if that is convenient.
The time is {"hour": 6, "minute": 16}
